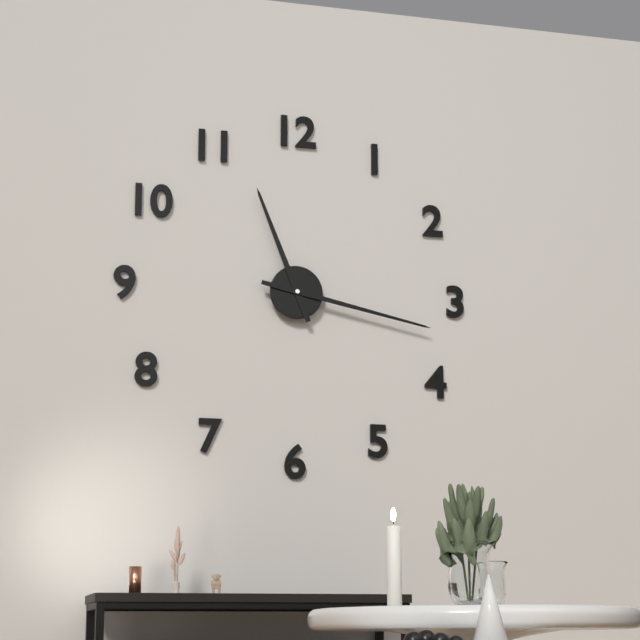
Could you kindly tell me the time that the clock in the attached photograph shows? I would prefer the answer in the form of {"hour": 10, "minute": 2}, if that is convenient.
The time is {"hour": 11, "minute": 17}
